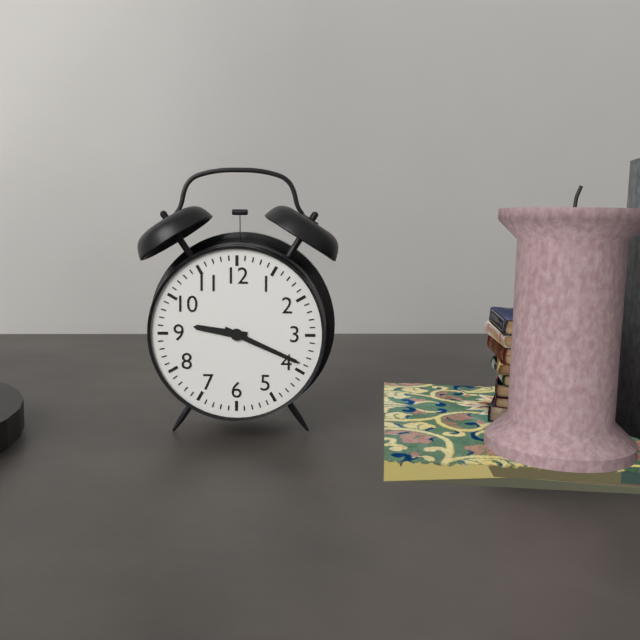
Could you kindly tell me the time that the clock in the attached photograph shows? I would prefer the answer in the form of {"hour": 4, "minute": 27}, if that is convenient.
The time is {"hour": 9, "minute": 19}
